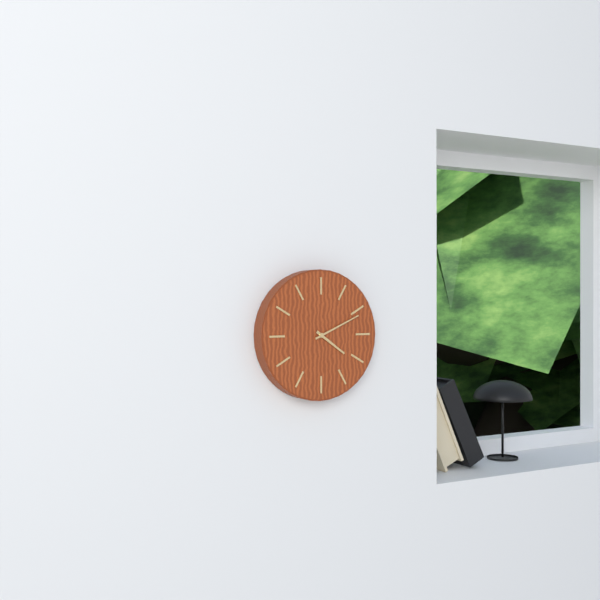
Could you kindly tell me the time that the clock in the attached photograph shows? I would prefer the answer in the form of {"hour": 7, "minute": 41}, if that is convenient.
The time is {"hour": 4, "minute": 11}
